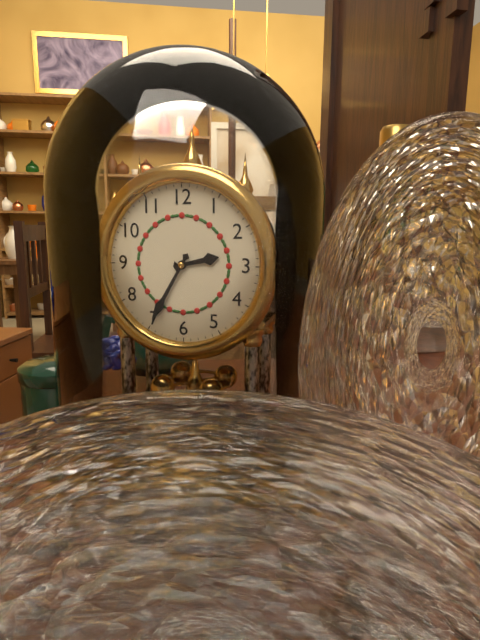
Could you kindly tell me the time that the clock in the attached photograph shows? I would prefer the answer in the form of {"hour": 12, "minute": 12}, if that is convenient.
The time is {"hour": 2, "minute": 35}
